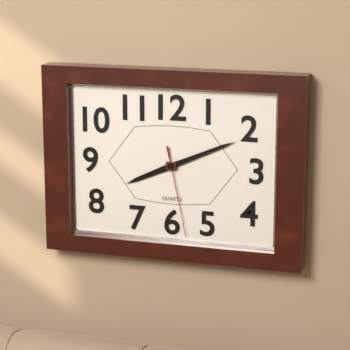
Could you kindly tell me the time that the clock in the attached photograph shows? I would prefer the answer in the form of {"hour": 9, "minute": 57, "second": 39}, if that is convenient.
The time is {"hour": 8, "minute": 11, "second": 28}
